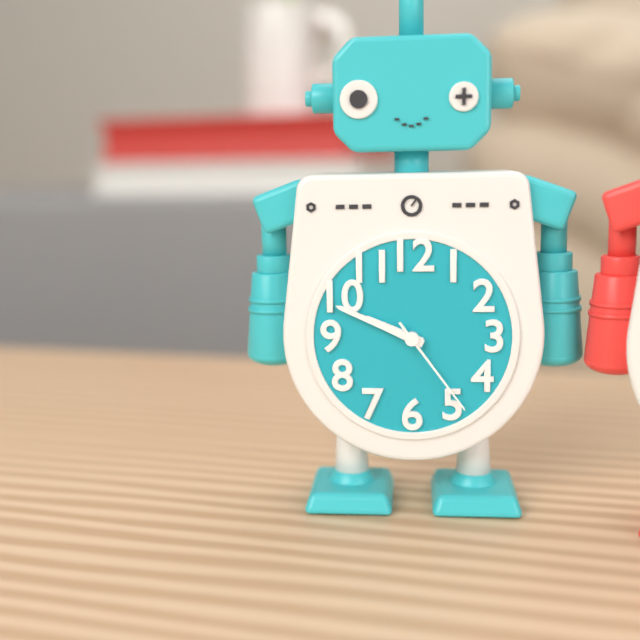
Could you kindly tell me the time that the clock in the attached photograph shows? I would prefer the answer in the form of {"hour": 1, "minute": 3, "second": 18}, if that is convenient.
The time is {"hour": 9, "minute": 49, "second": 24}
